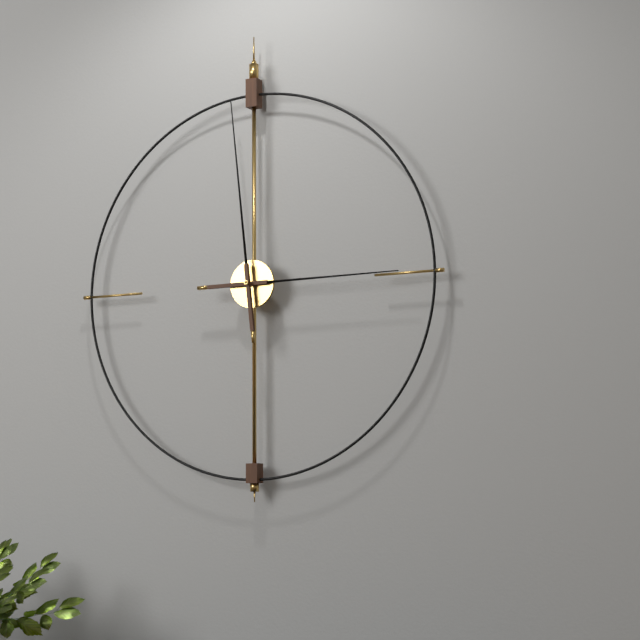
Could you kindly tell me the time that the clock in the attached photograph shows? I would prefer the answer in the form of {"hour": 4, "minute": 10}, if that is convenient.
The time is {"hour": 2, "minute": 59}
